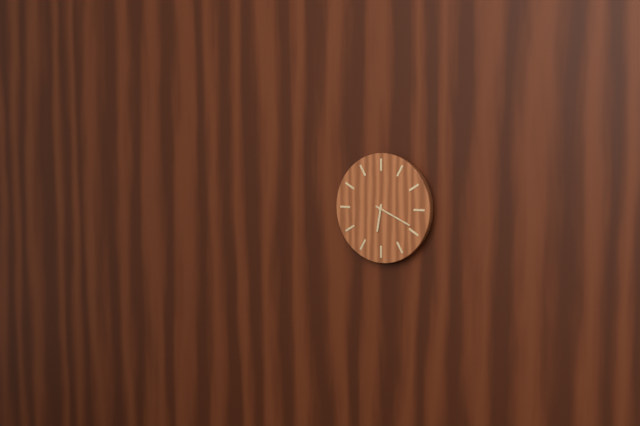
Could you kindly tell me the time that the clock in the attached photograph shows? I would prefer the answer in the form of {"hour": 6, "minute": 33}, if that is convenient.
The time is {"hour": 6, "minute": 19}
